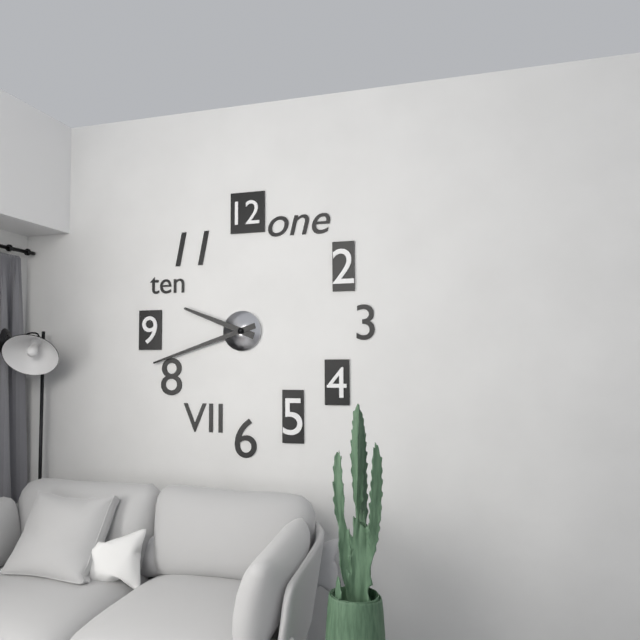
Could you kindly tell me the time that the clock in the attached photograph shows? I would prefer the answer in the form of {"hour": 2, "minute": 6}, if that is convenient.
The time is {"hour": 9, "minute": 42}
